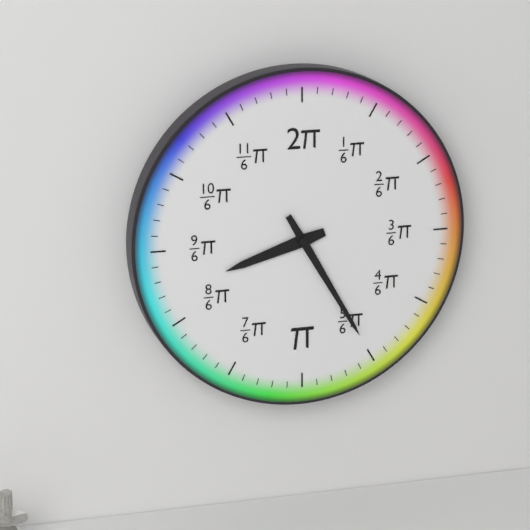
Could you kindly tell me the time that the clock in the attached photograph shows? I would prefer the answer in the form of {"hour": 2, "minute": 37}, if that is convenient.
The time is {"hour": 8, "minute": 25}
